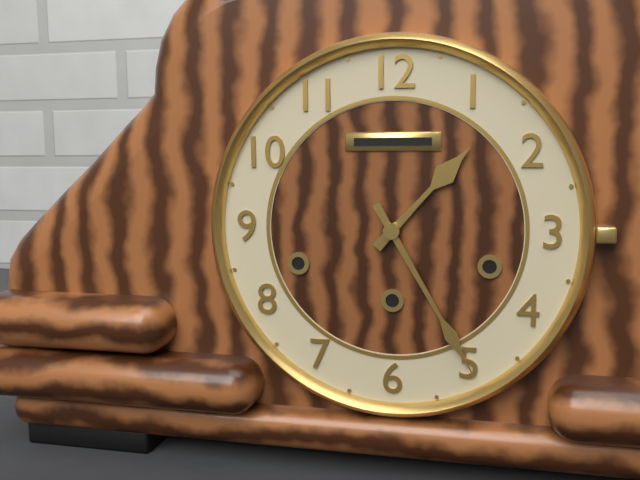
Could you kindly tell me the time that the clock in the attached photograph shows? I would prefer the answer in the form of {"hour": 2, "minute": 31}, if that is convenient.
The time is {"hour": 1, "minute": 25}
